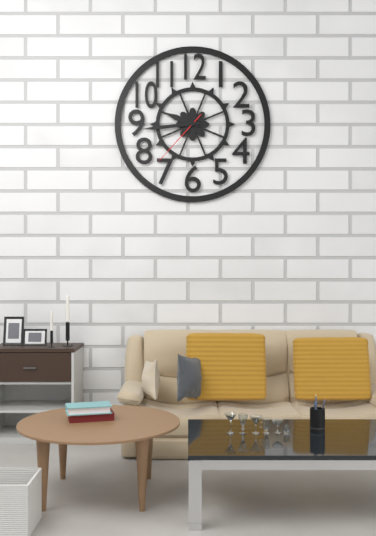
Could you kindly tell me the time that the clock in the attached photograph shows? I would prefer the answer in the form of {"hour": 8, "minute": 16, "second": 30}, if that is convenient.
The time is {"hour": 9, "minute": 44, "second": 37}
